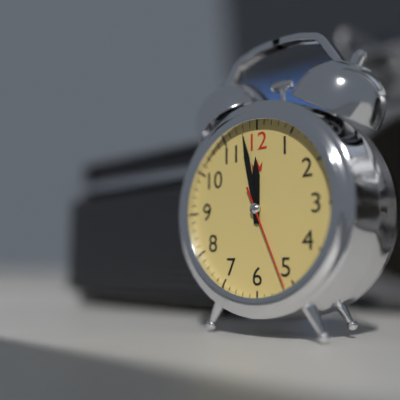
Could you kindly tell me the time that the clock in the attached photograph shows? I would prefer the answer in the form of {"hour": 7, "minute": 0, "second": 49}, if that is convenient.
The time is {"hour": 11, "minute": 58, "second": 26}
